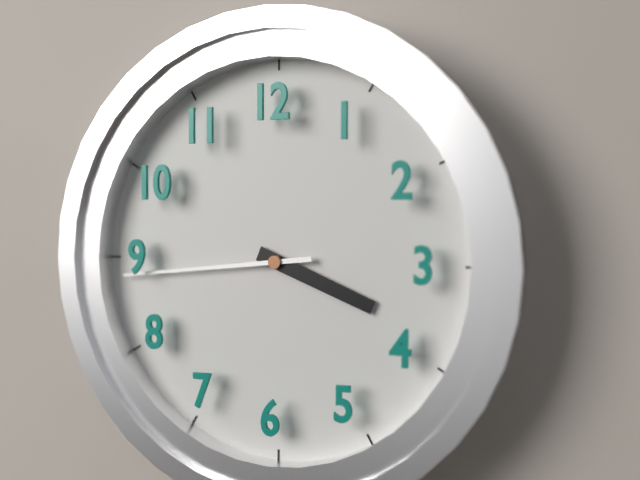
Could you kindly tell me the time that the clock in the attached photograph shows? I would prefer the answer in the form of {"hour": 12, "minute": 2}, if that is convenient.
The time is {"hour": 3, "minute": 44}
